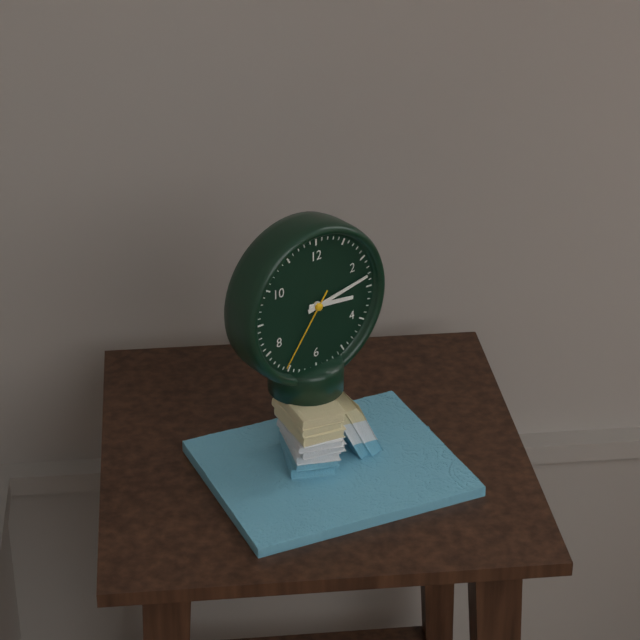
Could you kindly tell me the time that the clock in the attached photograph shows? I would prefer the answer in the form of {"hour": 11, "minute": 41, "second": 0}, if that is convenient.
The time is {"hour": 3, "minute": 13, "second": 36}
